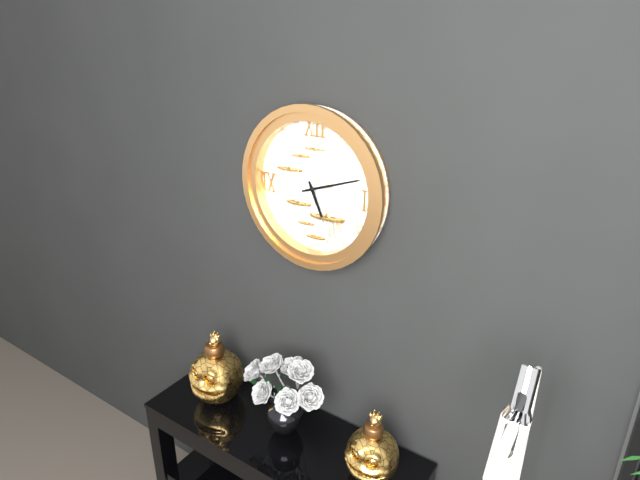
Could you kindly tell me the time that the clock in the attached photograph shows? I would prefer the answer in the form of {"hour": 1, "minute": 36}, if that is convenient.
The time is {"hour": 5, "minute": 12}
